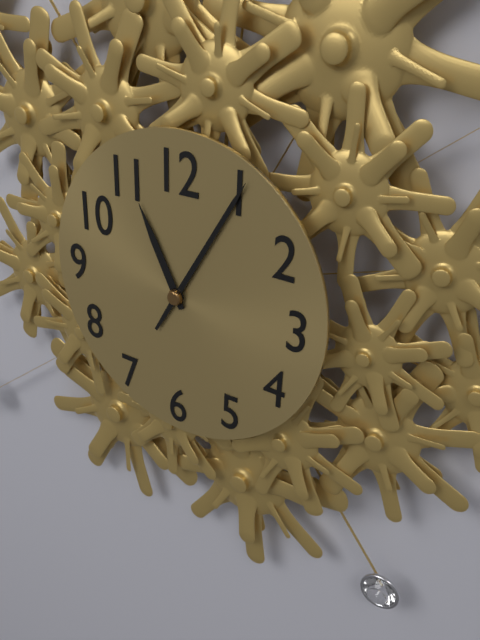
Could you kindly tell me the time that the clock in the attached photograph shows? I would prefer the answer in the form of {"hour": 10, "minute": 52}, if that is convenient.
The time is {"hour": 11, "minute": 5}
